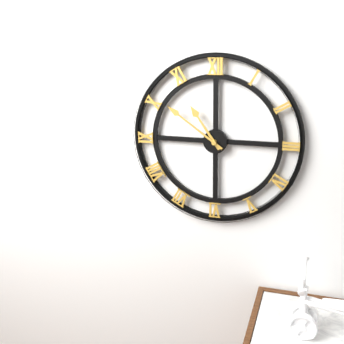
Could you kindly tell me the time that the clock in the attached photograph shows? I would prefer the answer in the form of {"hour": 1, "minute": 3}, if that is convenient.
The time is {"hour": 10, "minute": 51}
